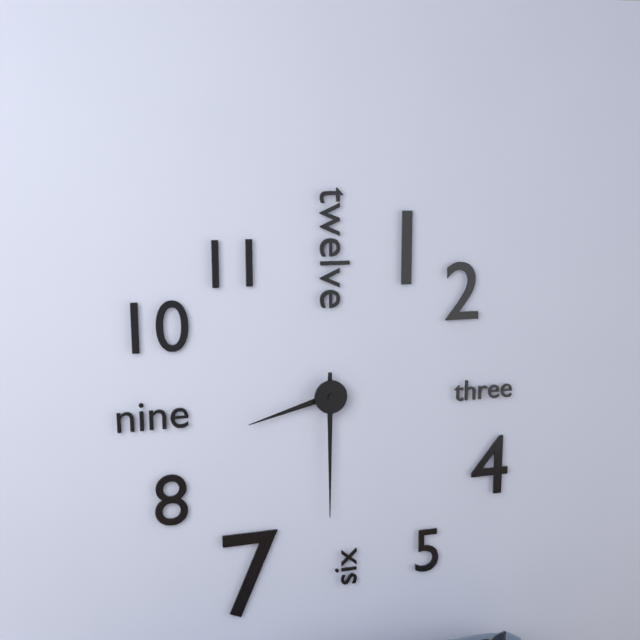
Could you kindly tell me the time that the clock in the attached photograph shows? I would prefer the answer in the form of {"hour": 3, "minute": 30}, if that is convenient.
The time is {"hour": 8, "minute": 30}
